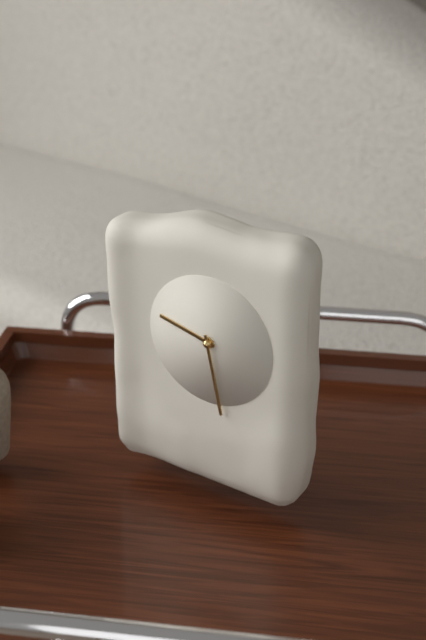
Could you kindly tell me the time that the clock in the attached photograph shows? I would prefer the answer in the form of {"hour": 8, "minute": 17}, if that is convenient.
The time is {"hour": 9, "minute": 28}
